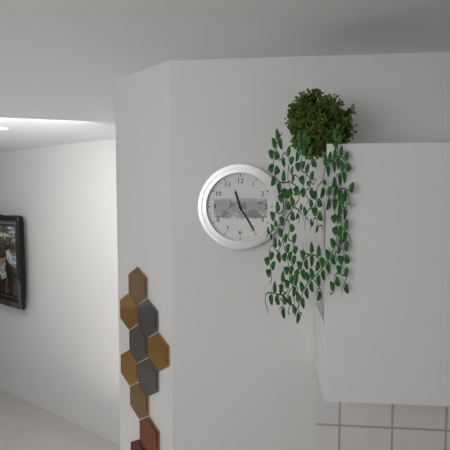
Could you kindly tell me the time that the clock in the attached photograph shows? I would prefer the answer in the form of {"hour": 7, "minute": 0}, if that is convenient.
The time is {"hour": 11, "minute": 25}
